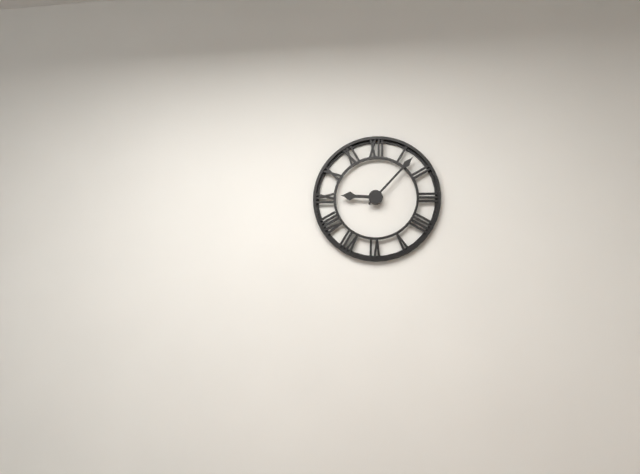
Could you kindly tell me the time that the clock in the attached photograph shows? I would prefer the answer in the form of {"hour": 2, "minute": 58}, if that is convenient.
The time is {"hour": 9, "minute": 7}
